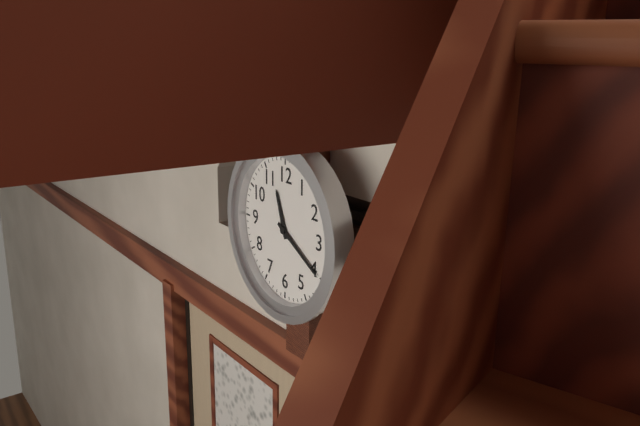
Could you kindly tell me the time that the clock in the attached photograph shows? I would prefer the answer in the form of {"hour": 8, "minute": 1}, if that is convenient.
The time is {"hour": 11, "minute": 20}
